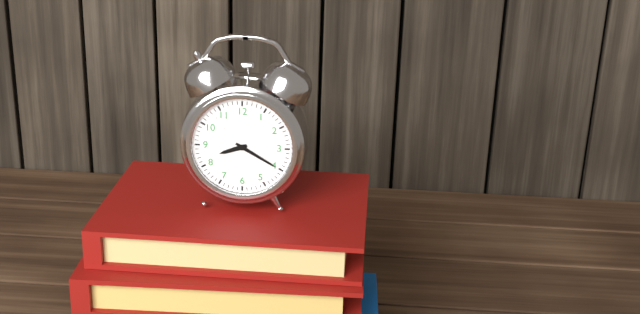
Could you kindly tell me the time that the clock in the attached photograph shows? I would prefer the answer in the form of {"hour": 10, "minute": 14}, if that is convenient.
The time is {"hour": 8, "minute": 20}
